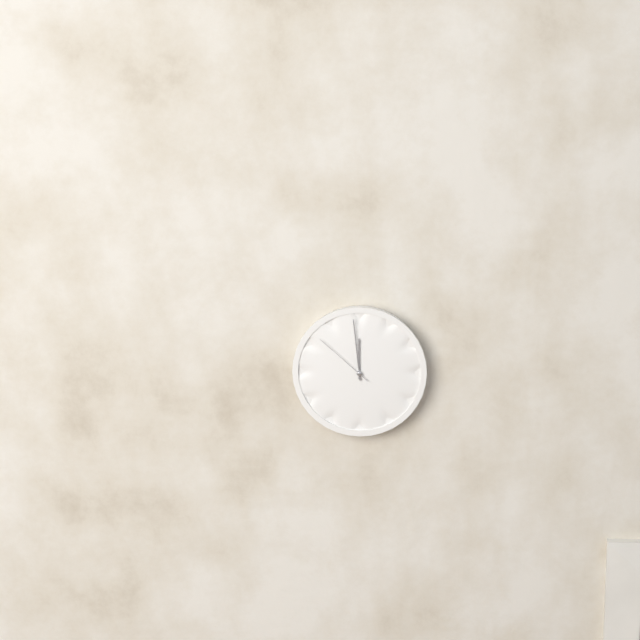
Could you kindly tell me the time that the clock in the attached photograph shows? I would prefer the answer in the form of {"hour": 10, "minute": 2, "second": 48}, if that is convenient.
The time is {"hour": 11, "minute": 59, "second": 52}
